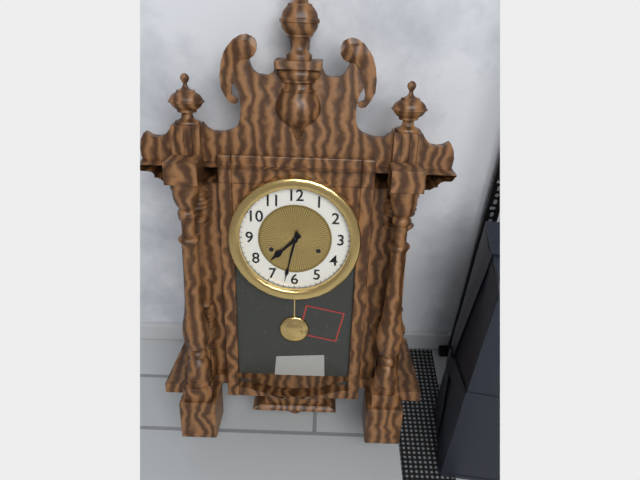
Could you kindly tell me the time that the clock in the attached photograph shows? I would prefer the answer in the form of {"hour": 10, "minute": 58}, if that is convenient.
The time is {"hour": 7, "minute": 32}
